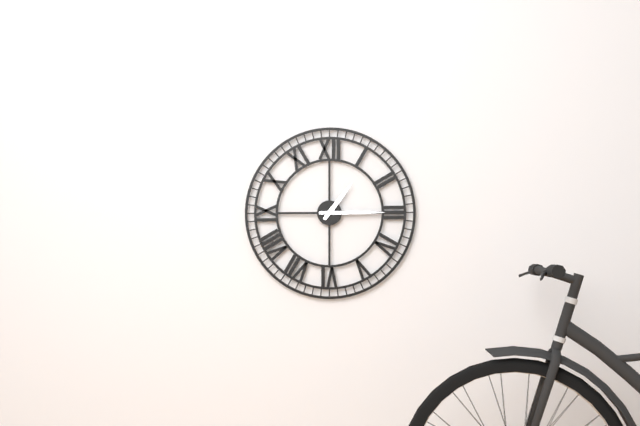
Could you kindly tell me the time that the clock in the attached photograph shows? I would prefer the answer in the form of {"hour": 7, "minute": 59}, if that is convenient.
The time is {"hour": 1, "minute": 15}
